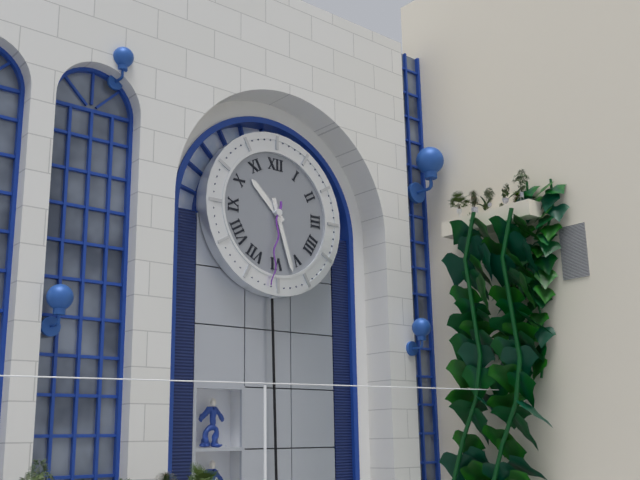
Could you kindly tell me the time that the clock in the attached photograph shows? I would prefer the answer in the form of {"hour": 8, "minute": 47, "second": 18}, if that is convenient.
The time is {"hour": 10, "minute": 27, "second": 31}
